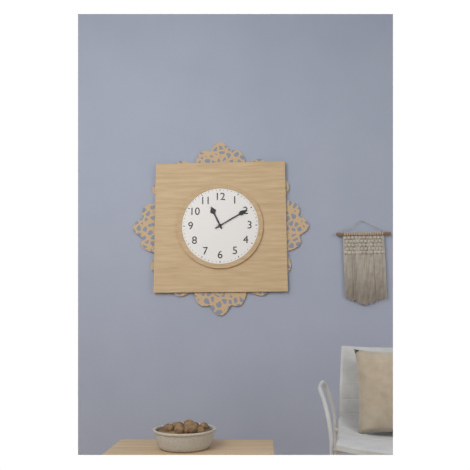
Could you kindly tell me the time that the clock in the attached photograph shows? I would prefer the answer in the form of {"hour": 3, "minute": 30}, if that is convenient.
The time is {"hour": 11, "minute": 10}
